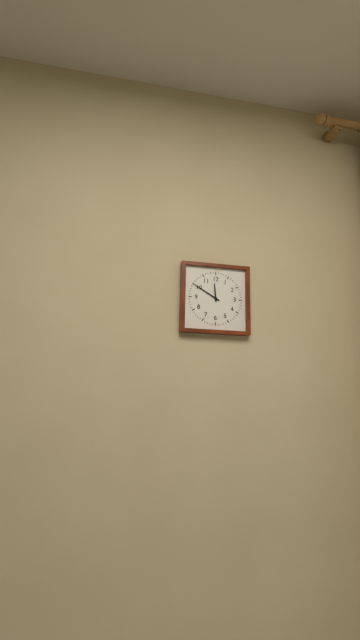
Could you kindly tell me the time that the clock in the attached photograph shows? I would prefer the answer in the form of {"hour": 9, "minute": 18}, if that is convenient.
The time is {"hour": 11, "minute": 50}
